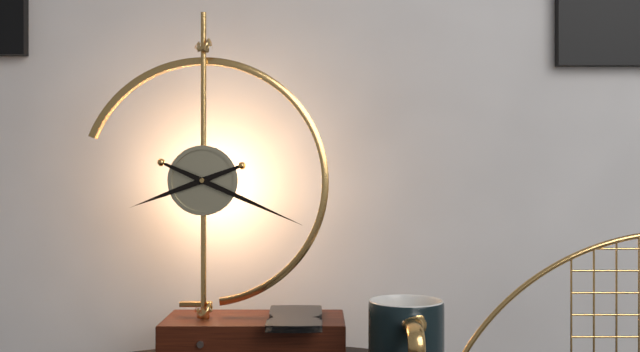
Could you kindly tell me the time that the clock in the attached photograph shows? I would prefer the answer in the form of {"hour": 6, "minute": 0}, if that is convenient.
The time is {"hour": 8, "minute": 19}
